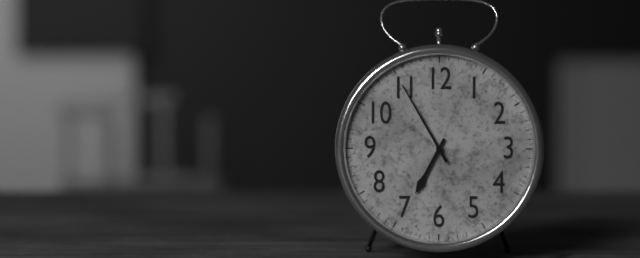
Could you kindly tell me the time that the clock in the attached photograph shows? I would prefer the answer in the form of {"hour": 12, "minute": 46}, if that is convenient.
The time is {"hour": 6, "minute": 55}
